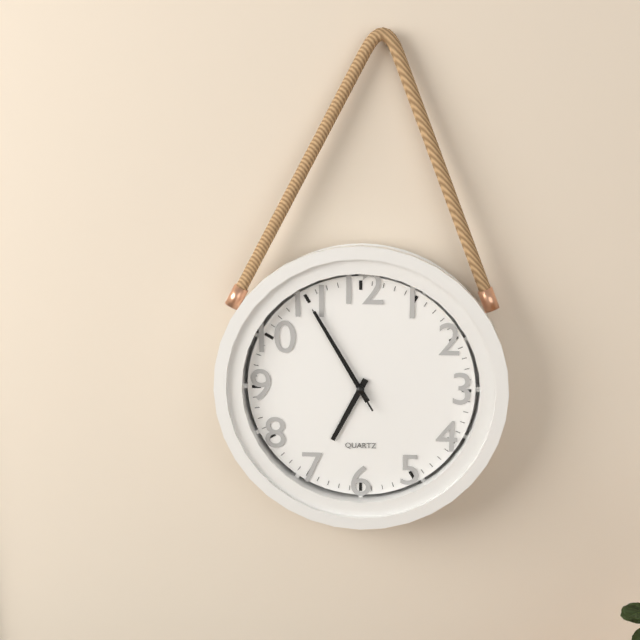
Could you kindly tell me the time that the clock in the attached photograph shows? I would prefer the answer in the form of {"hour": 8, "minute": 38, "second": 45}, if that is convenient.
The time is {"hour": 6, "minute": 55, "second": 55}
